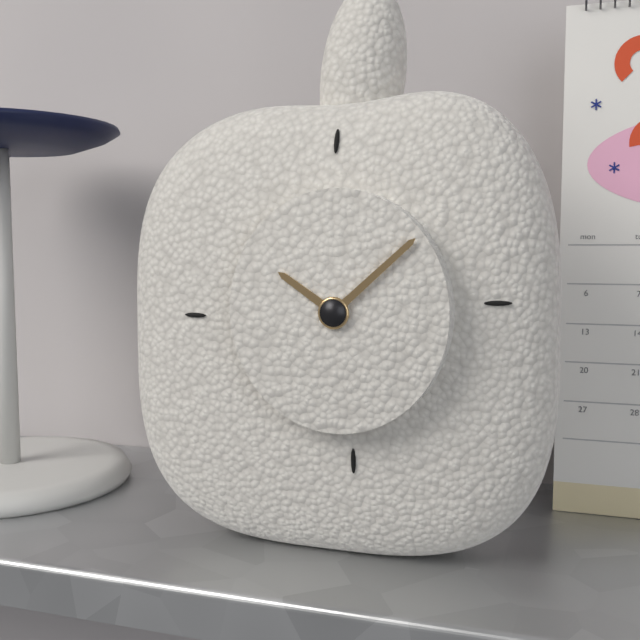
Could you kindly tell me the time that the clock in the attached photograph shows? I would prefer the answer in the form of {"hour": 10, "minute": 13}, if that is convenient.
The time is {"hour": 10, "minute": 8}
